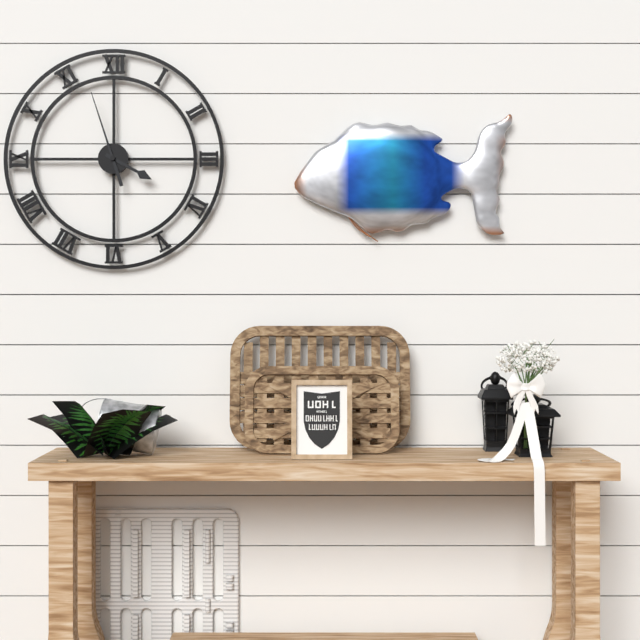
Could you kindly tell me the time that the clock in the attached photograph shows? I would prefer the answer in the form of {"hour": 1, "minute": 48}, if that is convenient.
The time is {"hour": 3, "minute": 57}
